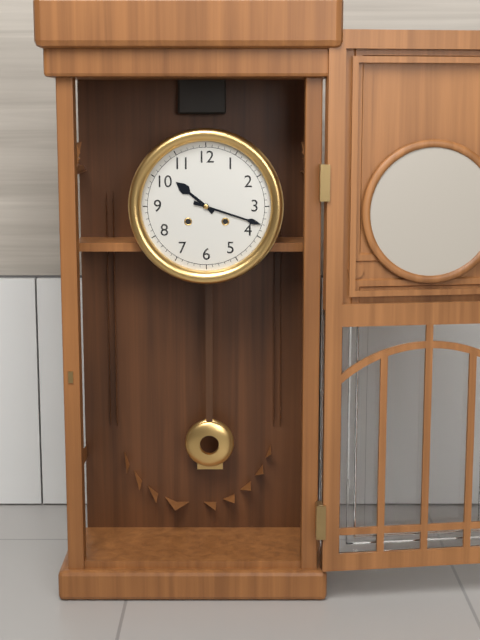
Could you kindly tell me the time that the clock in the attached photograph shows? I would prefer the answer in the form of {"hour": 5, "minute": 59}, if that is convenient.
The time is {"hour": 10, "minute": 18}
